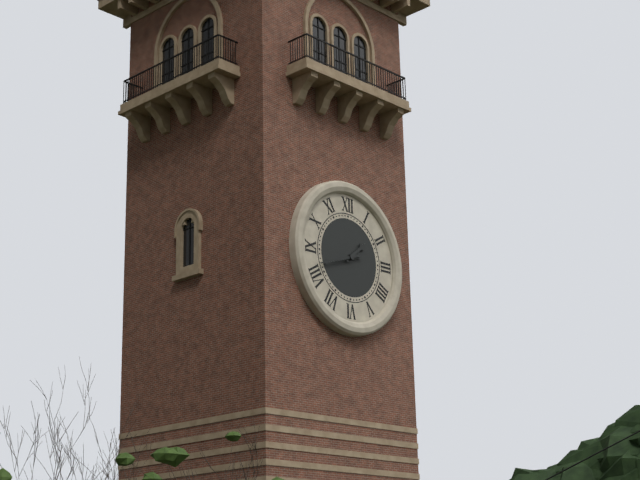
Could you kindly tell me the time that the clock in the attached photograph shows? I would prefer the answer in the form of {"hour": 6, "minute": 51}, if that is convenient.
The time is {"hour": 1, "minute": 42}
